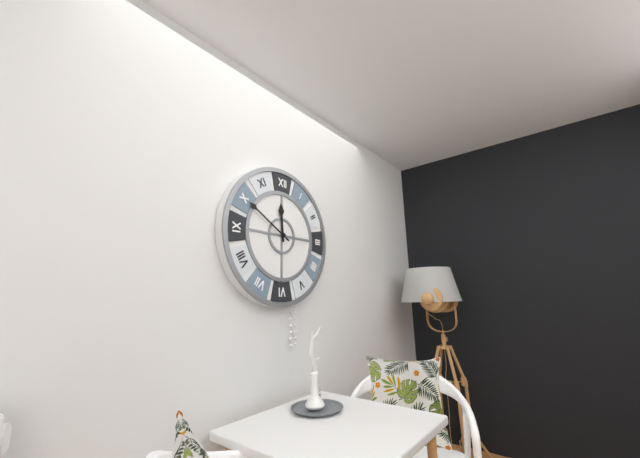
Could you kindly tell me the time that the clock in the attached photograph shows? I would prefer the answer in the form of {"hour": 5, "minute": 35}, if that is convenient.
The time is {"hour": 11, "minute": 50}
